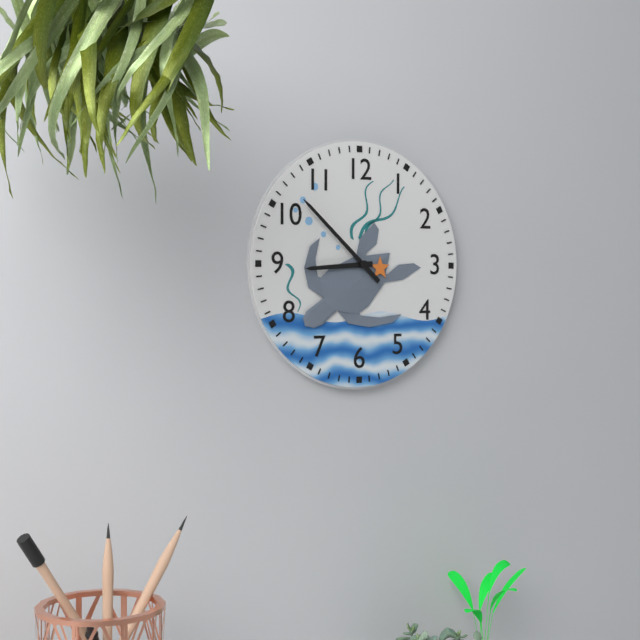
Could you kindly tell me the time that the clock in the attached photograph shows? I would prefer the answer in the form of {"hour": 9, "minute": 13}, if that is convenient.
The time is {"hour": 8, "minute": 52}
